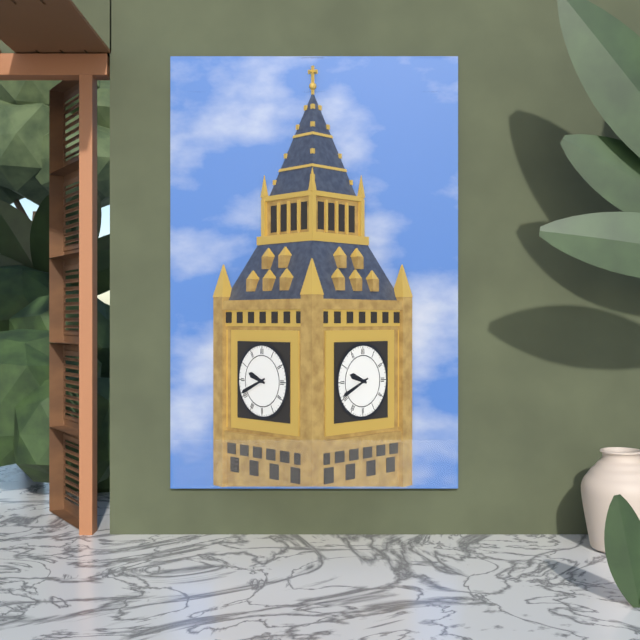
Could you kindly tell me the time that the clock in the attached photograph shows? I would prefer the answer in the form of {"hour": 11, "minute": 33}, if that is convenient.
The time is {"hour": 9, "minute": 41}
